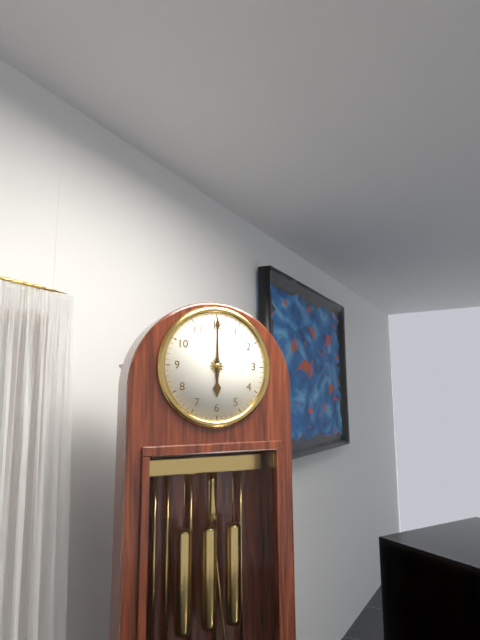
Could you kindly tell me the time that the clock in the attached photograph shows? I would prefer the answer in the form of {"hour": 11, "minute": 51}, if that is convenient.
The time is {"hour": 6, "minute": 0}
